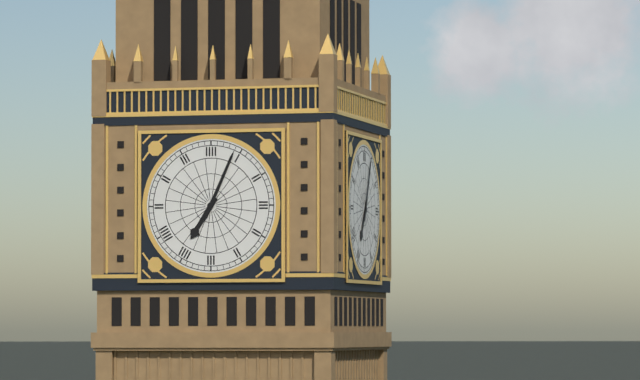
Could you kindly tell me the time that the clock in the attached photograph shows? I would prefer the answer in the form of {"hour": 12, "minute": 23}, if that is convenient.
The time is {"hour": 7, "minute": 4}
